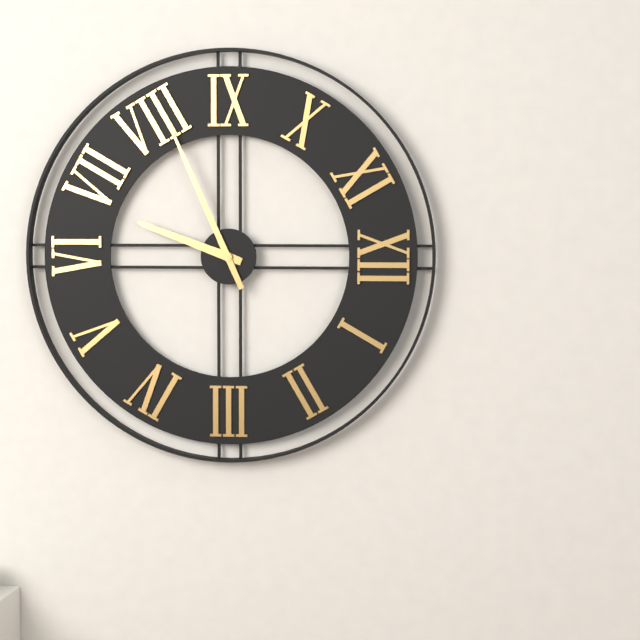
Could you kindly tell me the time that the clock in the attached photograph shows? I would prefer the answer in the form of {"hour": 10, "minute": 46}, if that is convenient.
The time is {"hour": 6, "minute": 41}
